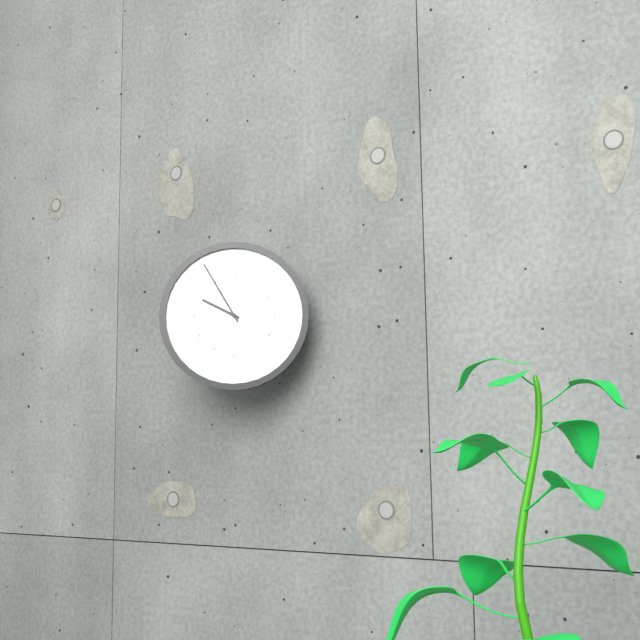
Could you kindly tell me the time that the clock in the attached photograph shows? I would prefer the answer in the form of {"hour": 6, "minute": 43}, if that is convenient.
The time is {"hour": 9, "minute": 55}
